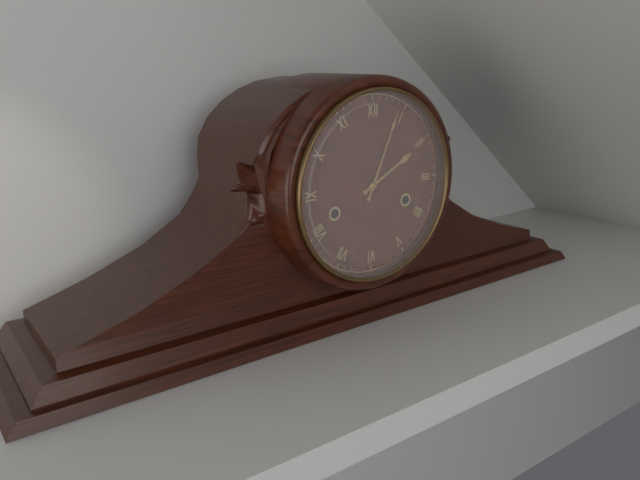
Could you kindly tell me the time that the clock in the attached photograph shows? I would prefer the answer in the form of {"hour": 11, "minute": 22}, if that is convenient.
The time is {"hour": 2, "minute": 4}
